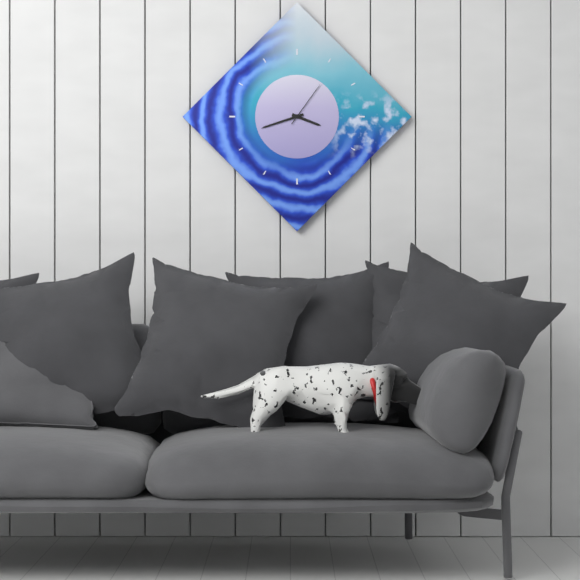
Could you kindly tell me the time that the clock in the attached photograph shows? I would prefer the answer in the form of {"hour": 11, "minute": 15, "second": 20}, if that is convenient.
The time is {"hour": 3, "minute": 42, "second": 6}
